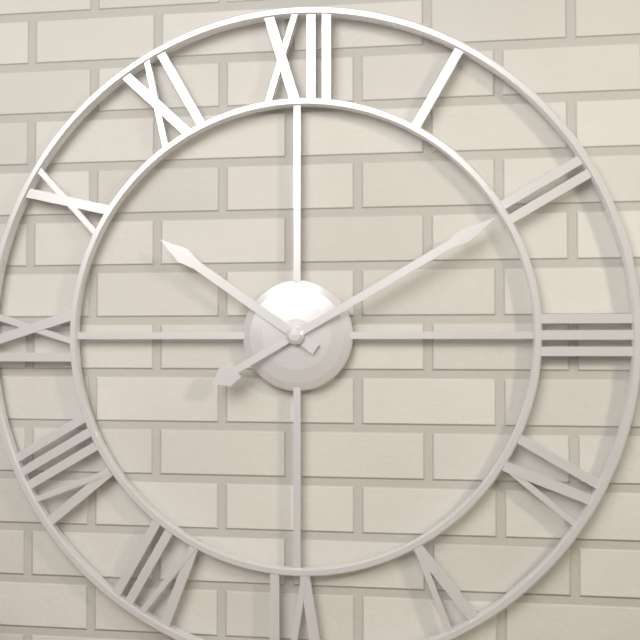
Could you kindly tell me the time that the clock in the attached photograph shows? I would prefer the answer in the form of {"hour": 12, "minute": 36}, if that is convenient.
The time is {"hour": 10, "minute": 10}
